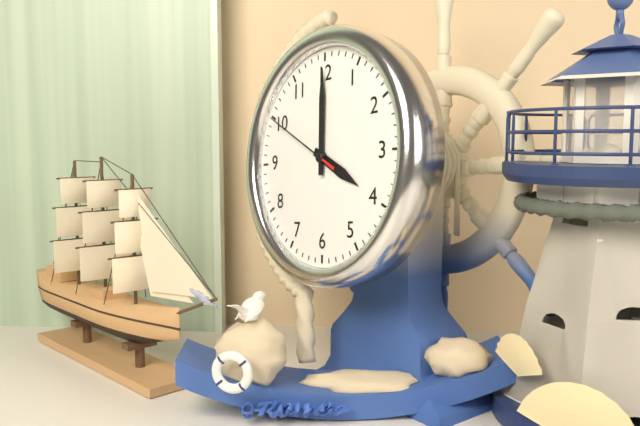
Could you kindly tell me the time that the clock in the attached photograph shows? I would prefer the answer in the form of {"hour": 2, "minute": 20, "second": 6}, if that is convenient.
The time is {"hour": 4, "minute": 0, "second": 50}
